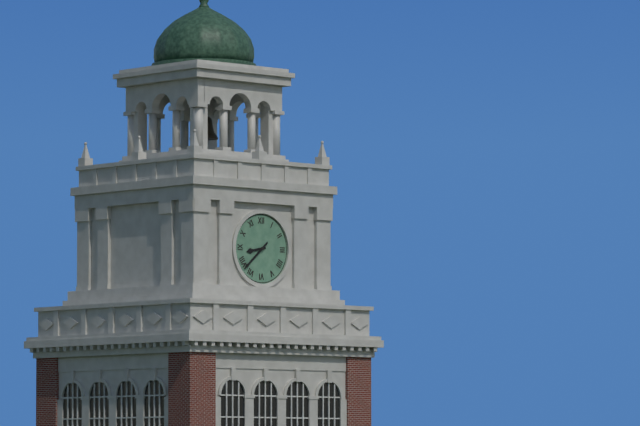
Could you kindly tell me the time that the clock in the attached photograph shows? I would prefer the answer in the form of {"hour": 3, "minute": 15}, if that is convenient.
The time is {"hour": 8, "minute": 38}
